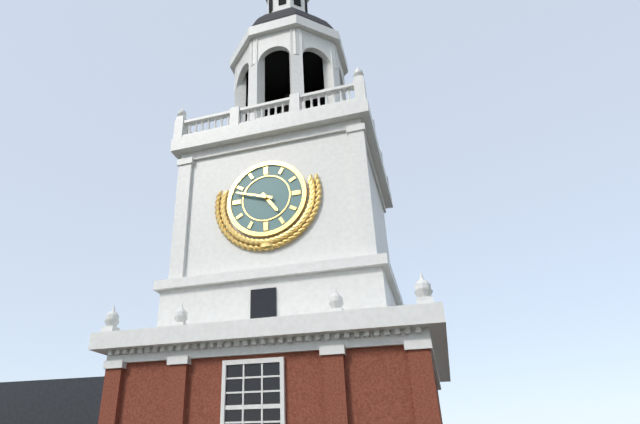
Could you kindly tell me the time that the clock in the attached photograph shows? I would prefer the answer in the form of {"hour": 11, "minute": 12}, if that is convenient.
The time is {"hour": 4, "minute": 48}
